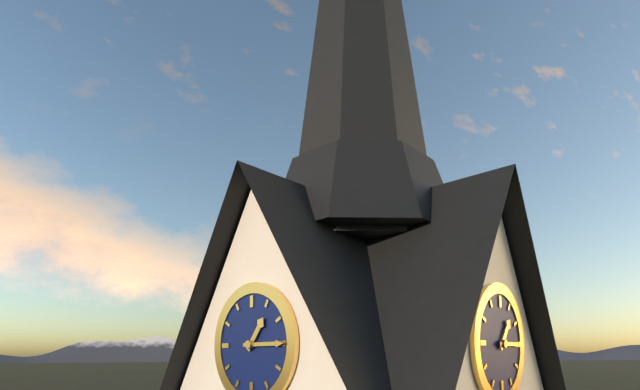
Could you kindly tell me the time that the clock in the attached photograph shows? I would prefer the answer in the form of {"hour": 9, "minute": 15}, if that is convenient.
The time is {"hour": 1, "minute": 15}
